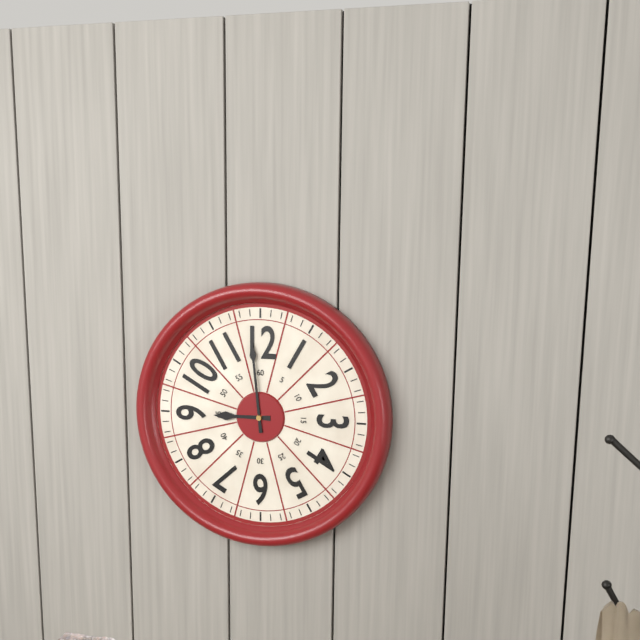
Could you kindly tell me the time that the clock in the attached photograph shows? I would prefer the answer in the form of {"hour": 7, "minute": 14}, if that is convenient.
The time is {"hour": 8, "minute": 59}
